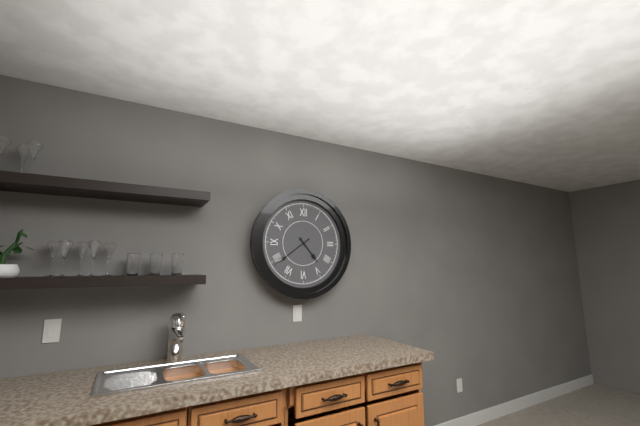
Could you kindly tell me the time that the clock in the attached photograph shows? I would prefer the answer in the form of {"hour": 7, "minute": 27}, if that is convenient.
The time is {"hour": 4, "minute": 39}
